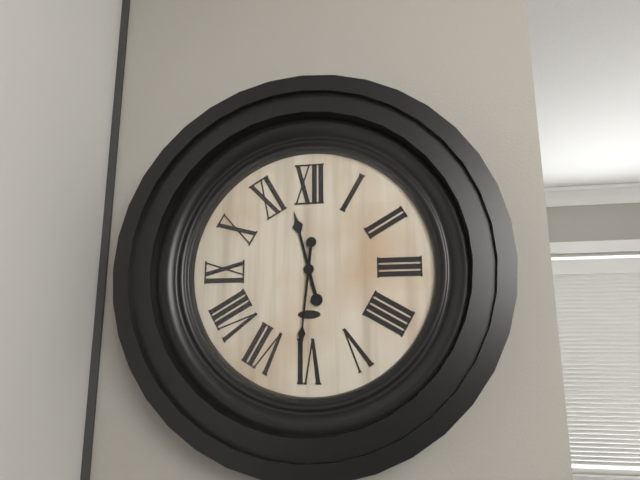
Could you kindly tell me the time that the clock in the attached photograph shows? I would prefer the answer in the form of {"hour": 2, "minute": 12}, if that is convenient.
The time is {"hour": 11, "minute": 31}
